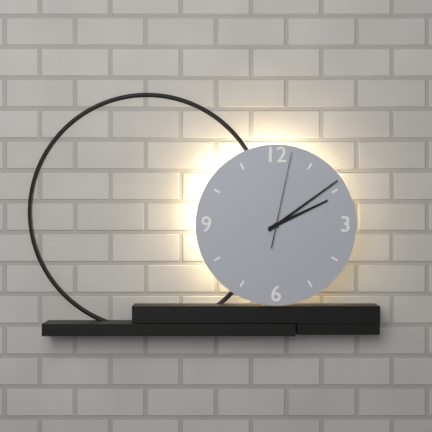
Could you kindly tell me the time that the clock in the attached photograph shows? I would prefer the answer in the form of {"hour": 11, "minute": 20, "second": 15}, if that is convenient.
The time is {"hour": 2, "minute": 9, "second": 2}
